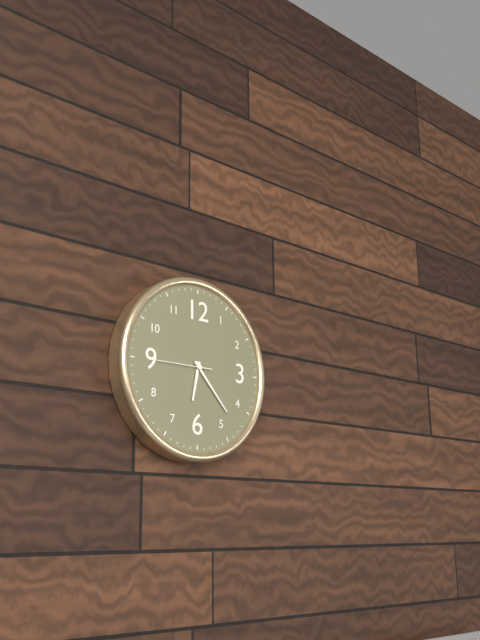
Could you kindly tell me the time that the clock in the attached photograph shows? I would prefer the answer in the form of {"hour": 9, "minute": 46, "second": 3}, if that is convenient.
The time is {"hour": 6, "minute": 23, "second": 45}
